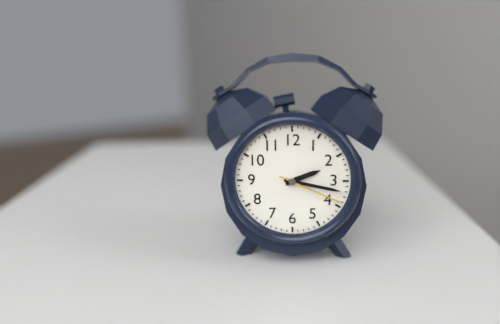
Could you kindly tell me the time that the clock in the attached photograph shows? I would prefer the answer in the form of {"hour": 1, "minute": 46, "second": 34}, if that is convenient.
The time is {"hour": 2, "minute": 17, "second": 19}
